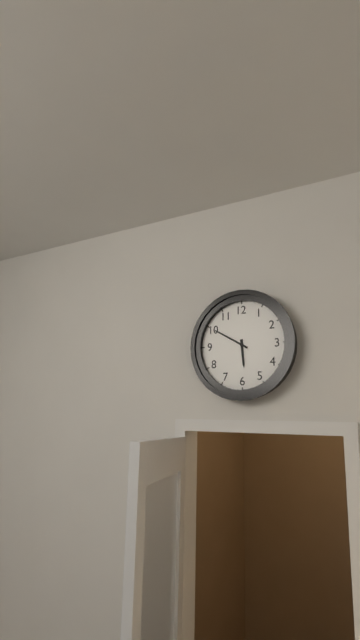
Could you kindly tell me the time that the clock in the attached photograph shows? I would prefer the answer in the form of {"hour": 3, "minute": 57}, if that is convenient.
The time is {"hour": 5, "minute": 50}
